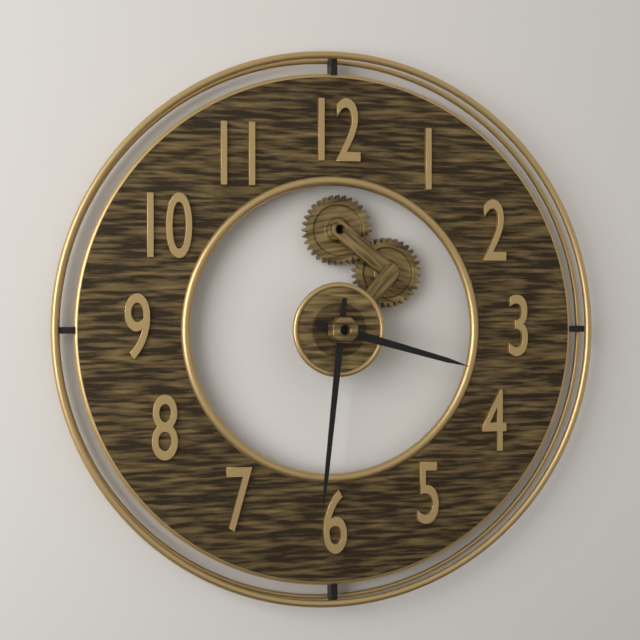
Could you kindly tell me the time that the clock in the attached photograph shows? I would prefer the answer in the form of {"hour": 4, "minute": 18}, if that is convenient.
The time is {"hour": 3, "minute": 31}
